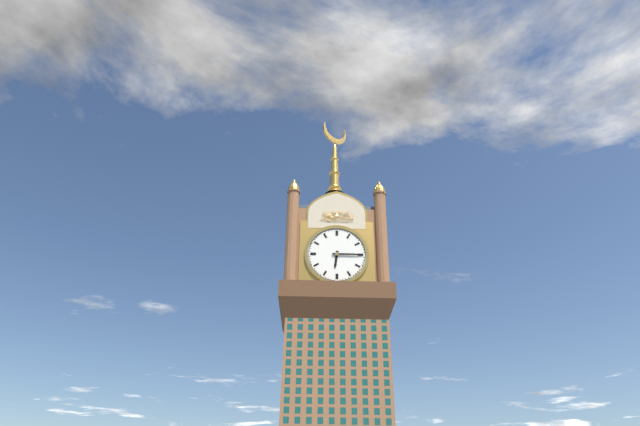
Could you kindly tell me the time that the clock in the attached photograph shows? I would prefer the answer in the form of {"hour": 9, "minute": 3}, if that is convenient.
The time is {"hour": 6, "minute": 15}
